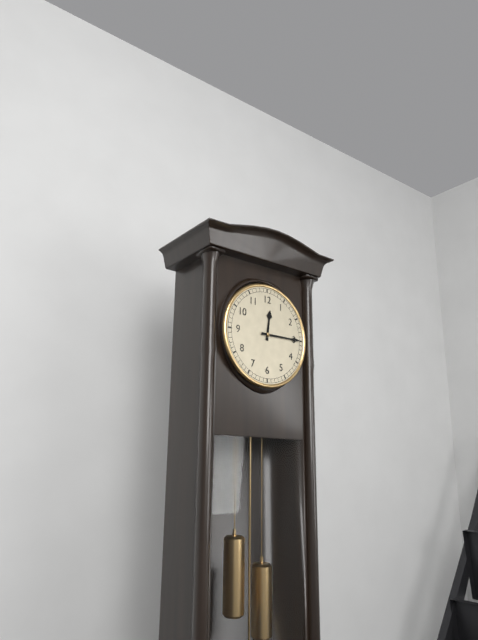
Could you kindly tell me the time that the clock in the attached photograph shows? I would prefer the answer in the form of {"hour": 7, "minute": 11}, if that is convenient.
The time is {"hour": 12, "minute": 15}
